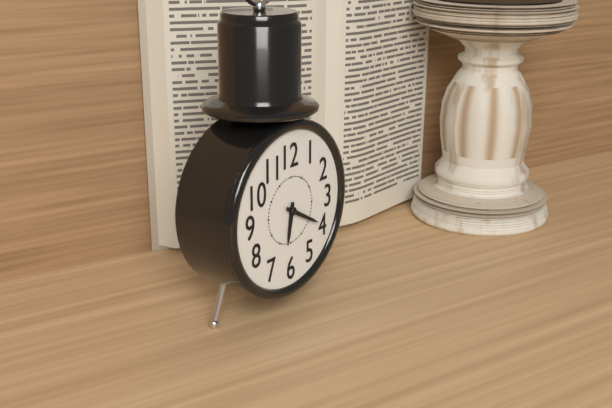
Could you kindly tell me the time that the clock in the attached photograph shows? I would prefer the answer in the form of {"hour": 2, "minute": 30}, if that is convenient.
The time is {"hour": 6, "minute": 20}
